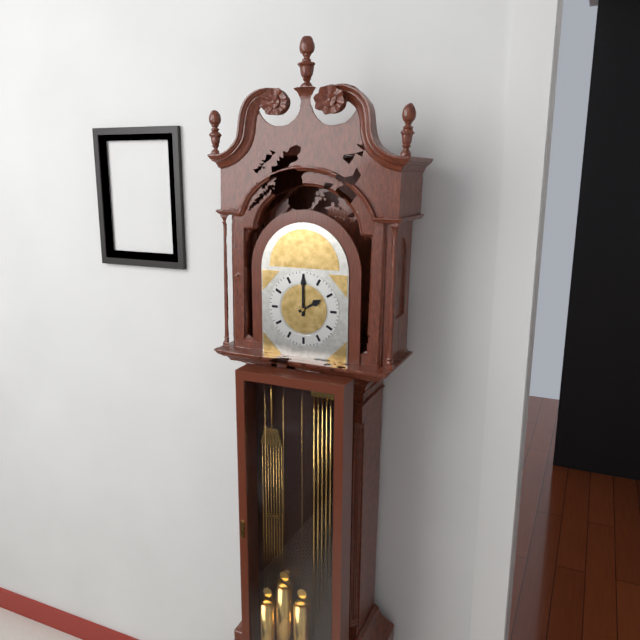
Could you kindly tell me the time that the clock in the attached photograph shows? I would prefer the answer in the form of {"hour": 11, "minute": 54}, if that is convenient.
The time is {"hour": 2, "minute": 0}
